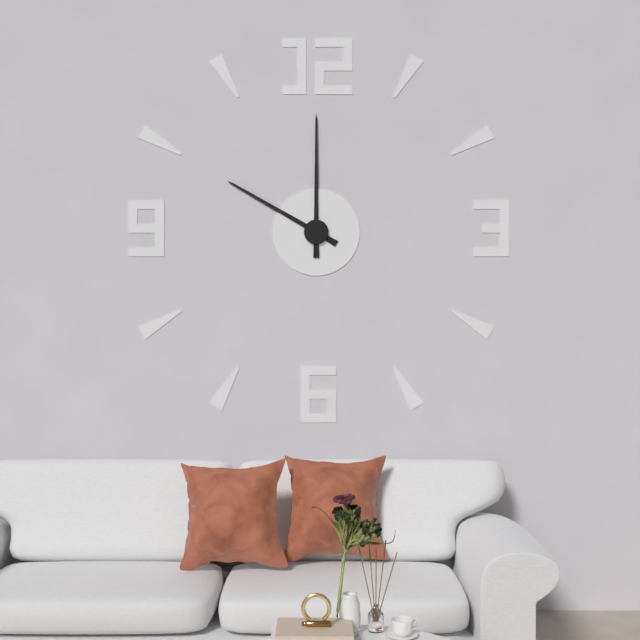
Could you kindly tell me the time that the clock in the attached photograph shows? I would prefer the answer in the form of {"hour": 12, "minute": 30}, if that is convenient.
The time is {"hour": 10, "minute": 0}
